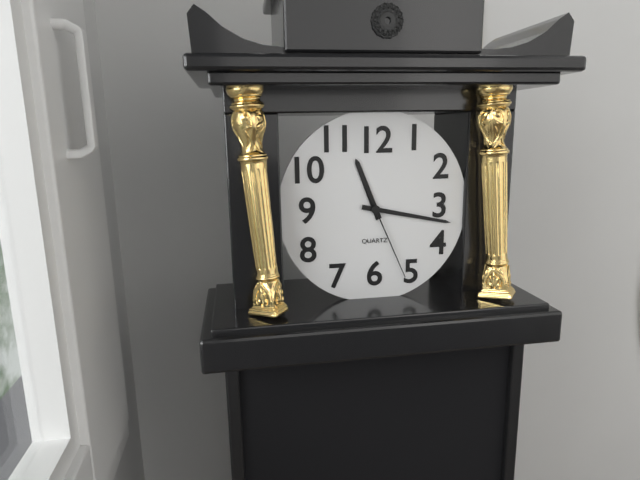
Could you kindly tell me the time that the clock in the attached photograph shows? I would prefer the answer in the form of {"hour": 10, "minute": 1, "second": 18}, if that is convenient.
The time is {"hour": 11, "minute": 17, "second": 26}
